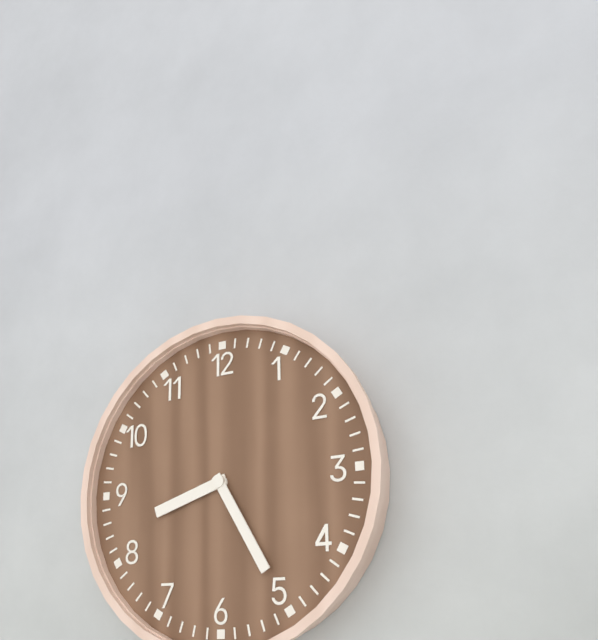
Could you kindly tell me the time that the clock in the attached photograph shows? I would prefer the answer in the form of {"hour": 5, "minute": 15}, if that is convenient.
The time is {"hour": 8, "minute": 25}
